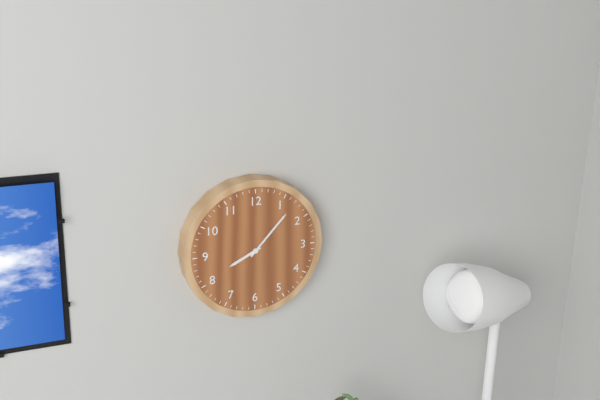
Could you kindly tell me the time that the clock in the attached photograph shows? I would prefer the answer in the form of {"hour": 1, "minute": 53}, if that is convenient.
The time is {"hour": 8, "minute": 7}
